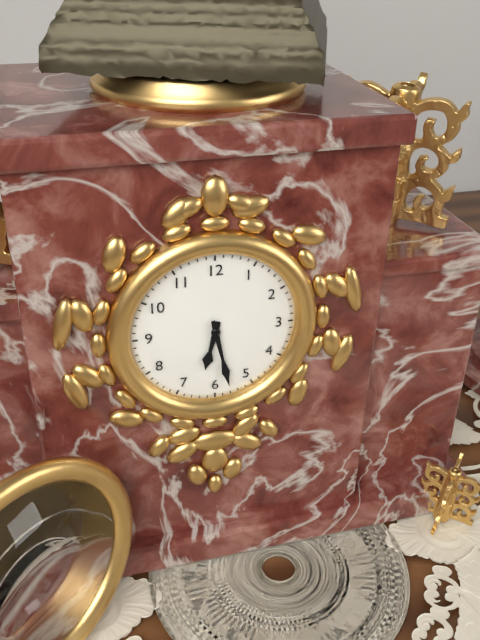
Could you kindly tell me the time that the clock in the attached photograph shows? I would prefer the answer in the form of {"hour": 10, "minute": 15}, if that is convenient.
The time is {"hour": 6, "minute": 28}
